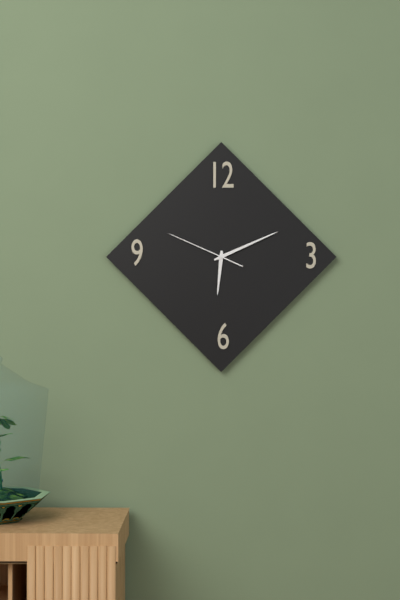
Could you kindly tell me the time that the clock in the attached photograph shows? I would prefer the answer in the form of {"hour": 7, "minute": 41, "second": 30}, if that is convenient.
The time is {"hour": 6, "minute": 11, "second": 49}
